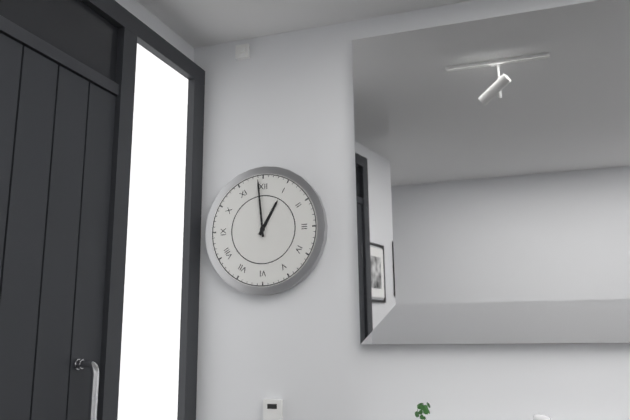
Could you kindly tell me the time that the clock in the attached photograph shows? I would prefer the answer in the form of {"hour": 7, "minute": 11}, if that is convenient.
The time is {"hour": 12, "minute": 59}
